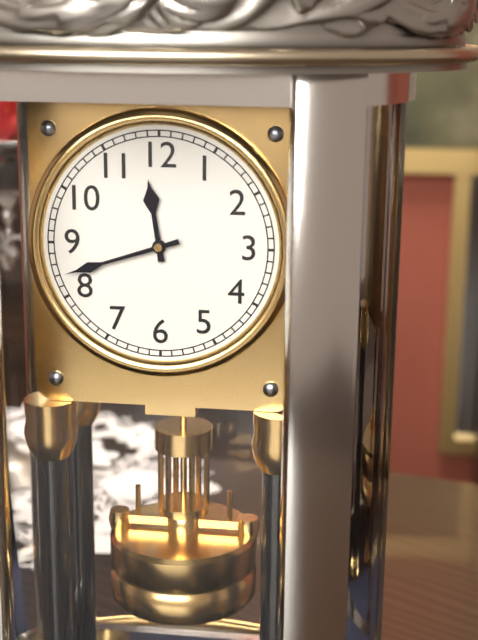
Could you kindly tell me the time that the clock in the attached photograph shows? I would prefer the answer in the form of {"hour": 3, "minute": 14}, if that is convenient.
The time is {"hour": 11, "minute": 42}
